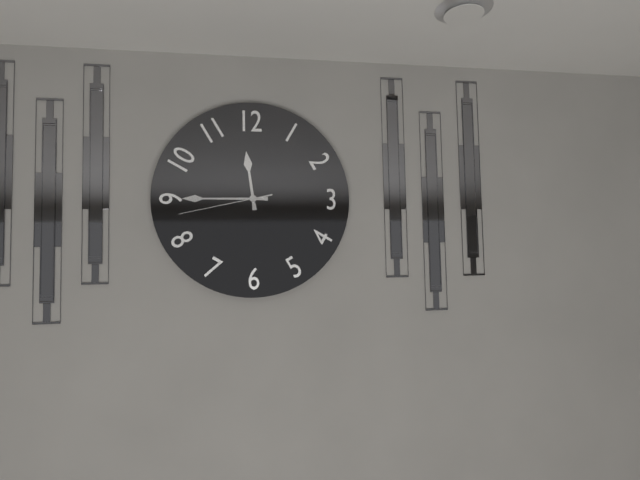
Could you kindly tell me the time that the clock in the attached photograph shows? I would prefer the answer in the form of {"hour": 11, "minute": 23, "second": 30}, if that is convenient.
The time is {"hour": 11, "minute": 45, "second": 43}
